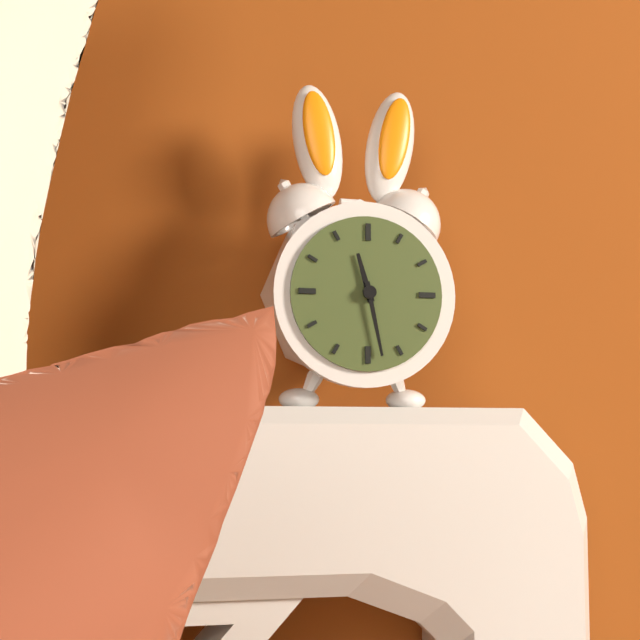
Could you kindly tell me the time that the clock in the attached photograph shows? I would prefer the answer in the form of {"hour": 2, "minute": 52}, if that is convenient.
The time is {"hour": 11, "minute": 28}
